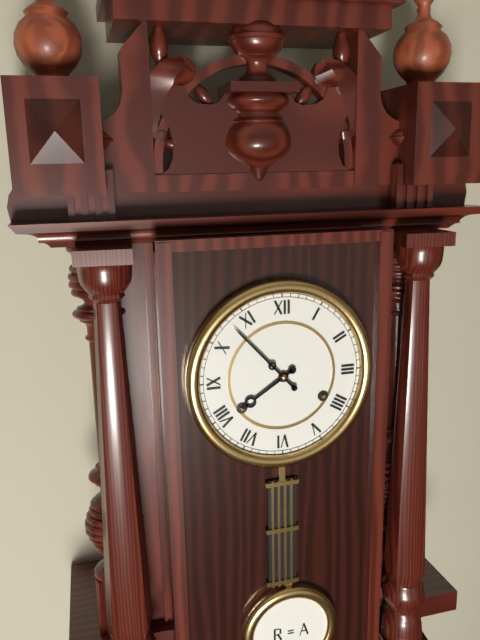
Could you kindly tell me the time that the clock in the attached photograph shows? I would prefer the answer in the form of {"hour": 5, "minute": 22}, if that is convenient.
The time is {"hour": 7, "minute": 53}
